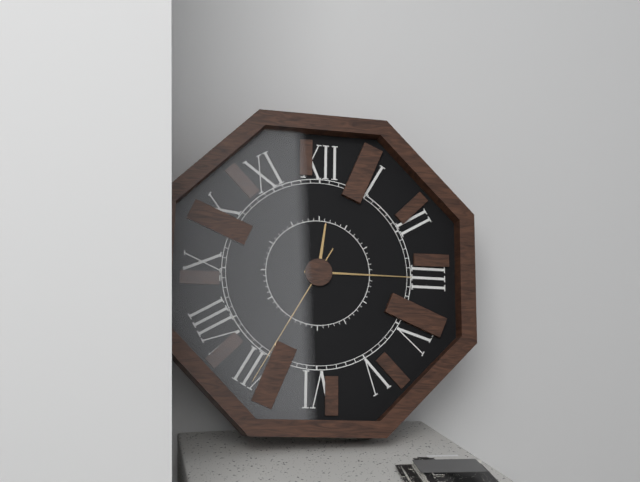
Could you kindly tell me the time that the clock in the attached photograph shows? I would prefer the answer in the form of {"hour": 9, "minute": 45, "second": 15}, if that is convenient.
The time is {"hour": 12, "minute": 15, "second": 35}
